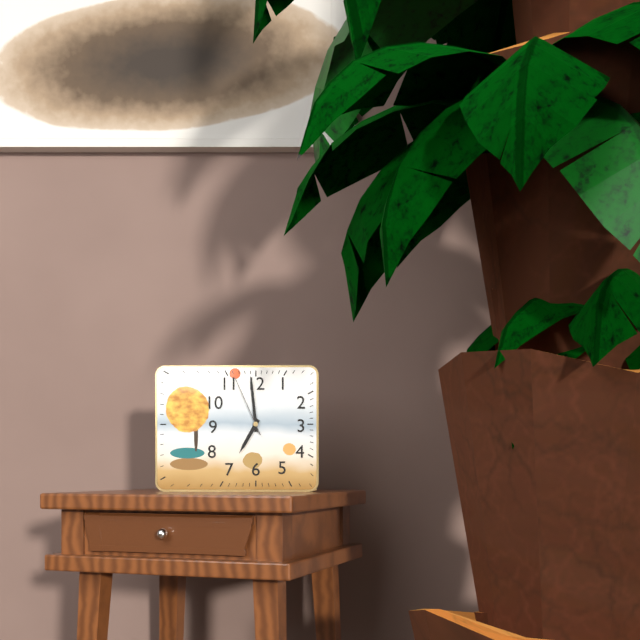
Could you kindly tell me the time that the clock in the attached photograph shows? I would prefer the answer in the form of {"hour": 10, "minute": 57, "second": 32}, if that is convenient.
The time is {"hour": 6, "minute": 59, "second": 56}
